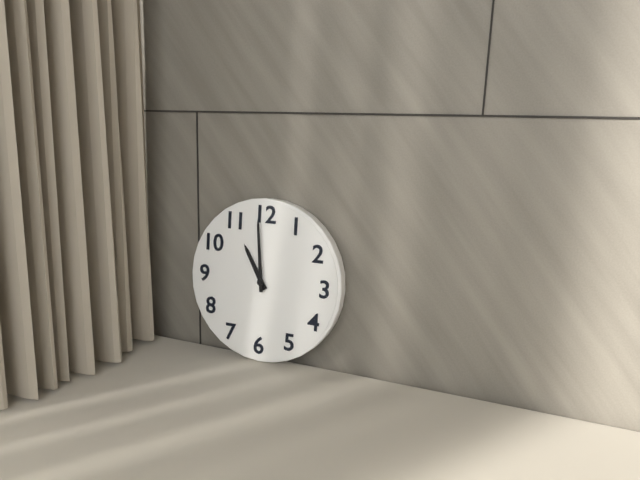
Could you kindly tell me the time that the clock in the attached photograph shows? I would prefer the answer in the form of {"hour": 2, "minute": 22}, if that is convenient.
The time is {"hour": 10, "minute": 59}
